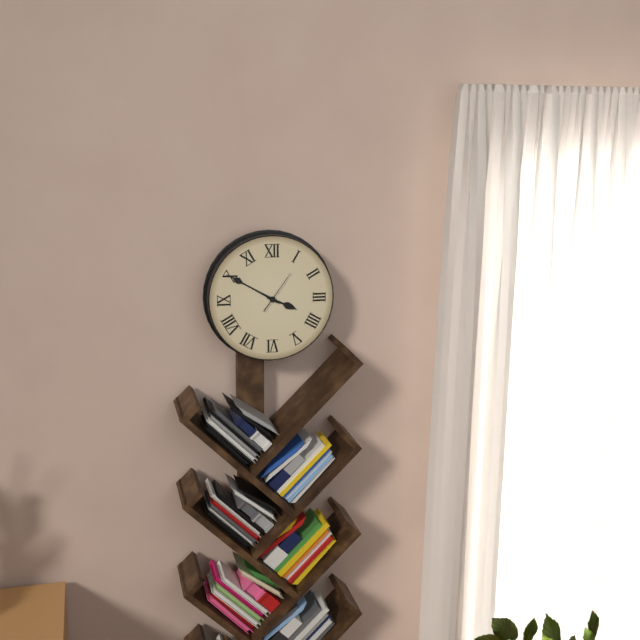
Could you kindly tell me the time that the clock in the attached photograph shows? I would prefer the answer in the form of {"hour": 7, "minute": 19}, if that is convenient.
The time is {"hour": 3, "minute": 50}
